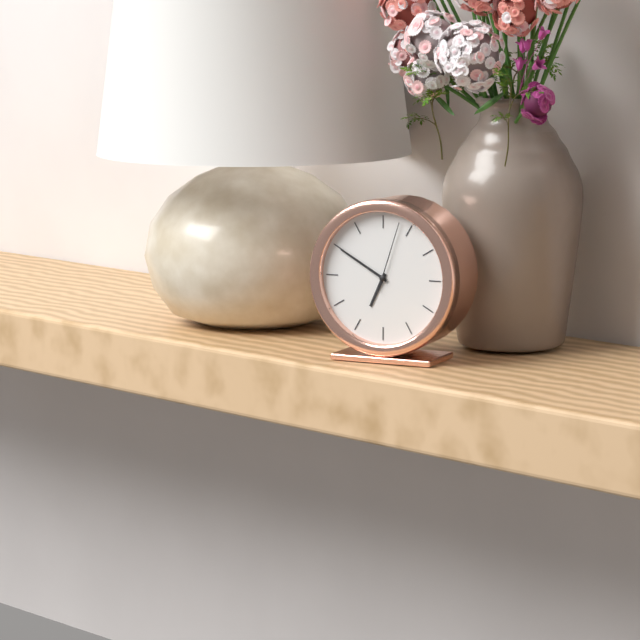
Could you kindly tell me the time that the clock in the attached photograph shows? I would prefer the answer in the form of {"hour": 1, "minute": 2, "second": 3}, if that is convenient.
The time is {"hour": 6, "minute": 50, "second": 3}
